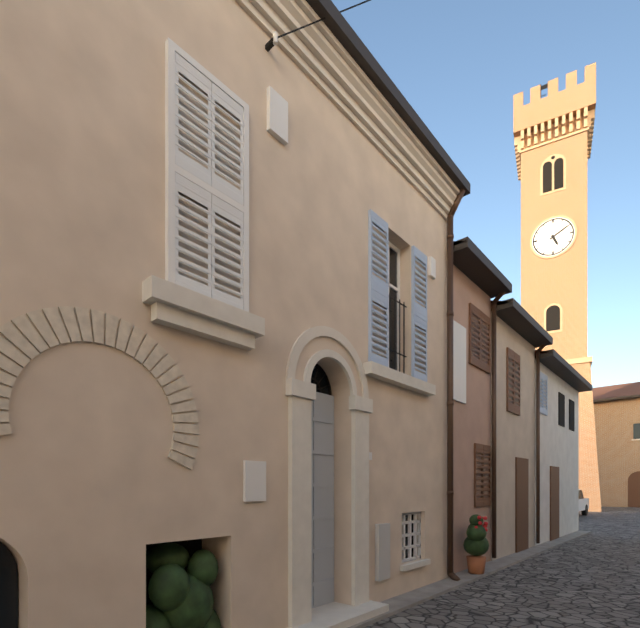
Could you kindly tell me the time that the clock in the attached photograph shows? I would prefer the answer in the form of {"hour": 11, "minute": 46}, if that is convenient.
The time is {"hour": 5, "minute": 10}
